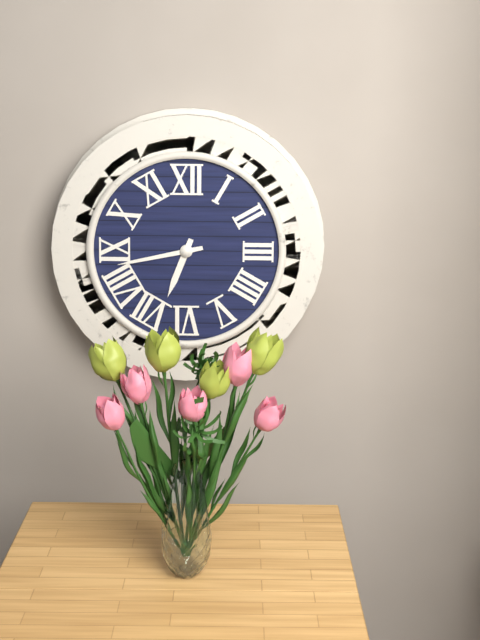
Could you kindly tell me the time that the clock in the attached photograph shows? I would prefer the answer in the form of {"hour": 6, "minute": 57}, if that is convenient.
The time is {"hour": 6, "minute": 43}
